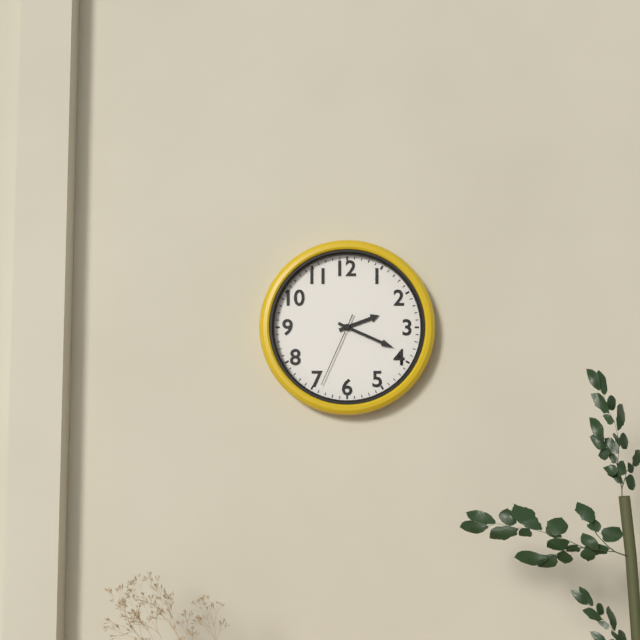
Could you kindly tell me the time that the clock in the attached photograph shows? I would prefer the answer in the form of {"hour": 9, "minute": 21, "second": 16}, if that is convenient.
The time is {"hour": 2, "minute": 19, "second": 34}
